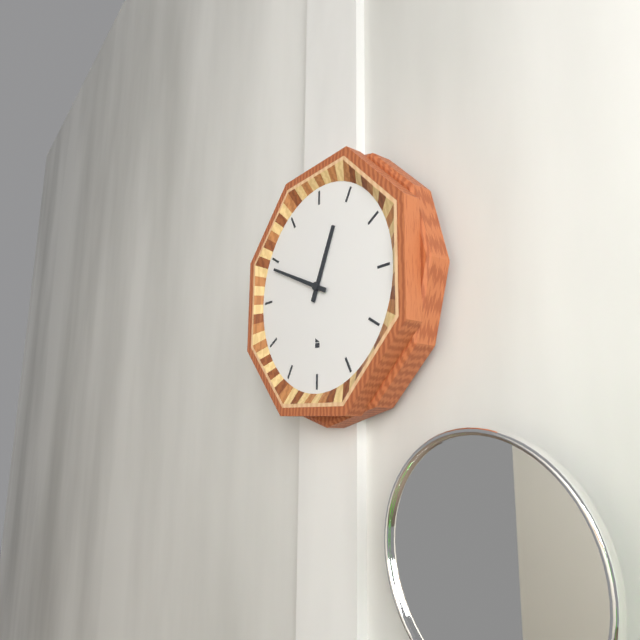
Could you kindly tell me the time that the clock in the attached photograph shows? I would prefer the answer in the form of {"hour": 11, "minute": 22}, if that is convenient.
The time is {"hour": 12, "minute": 49}
